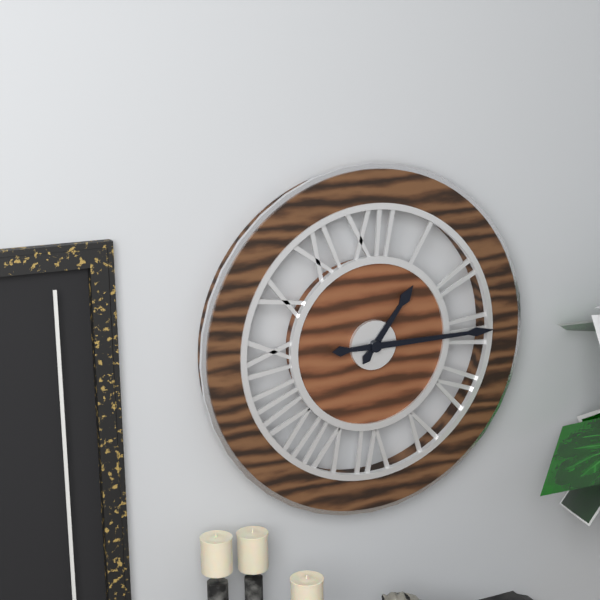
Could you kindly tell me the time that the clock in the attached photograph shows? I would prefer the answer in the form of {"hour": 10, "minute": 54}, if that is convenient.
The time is {"hour": 1, "minute": 15}
